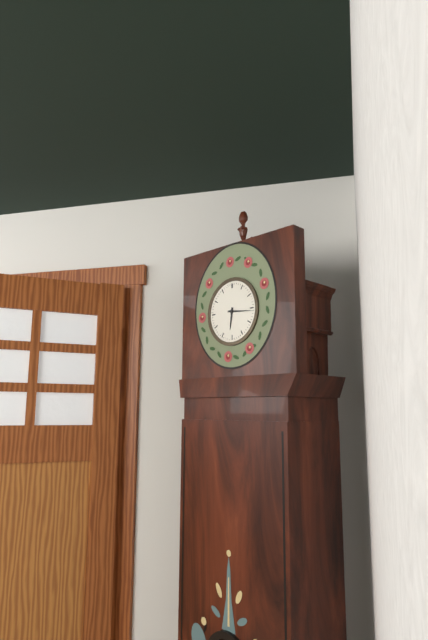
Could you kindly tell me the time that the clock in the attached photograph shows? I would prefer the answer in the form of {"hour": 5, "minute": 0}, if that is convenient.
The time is {"hour": 6, "minute": 16}
